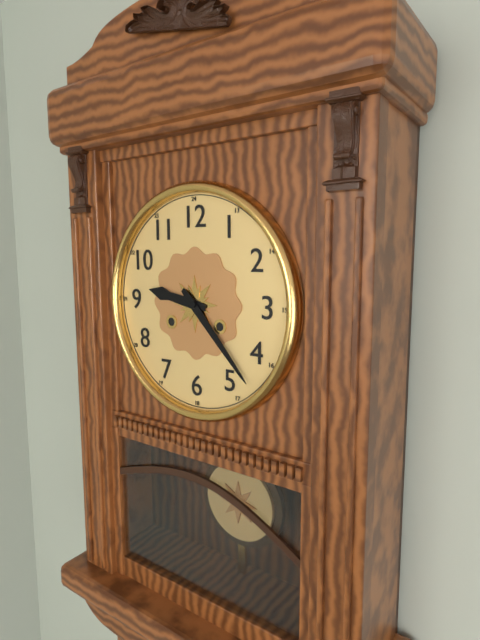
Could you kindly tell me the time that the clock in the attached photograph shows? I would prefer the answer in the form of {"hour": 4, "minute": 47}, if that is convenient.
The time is {"hour": 9, "minute": 23}
